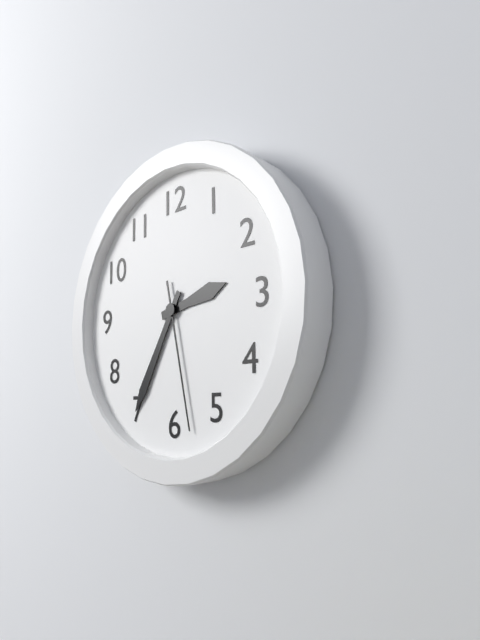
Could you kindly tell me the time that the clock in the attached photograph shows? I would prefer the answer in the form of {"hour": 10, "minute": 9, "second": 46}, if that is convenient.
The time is {"hour": 2, "minute": 35, "second": 28}
